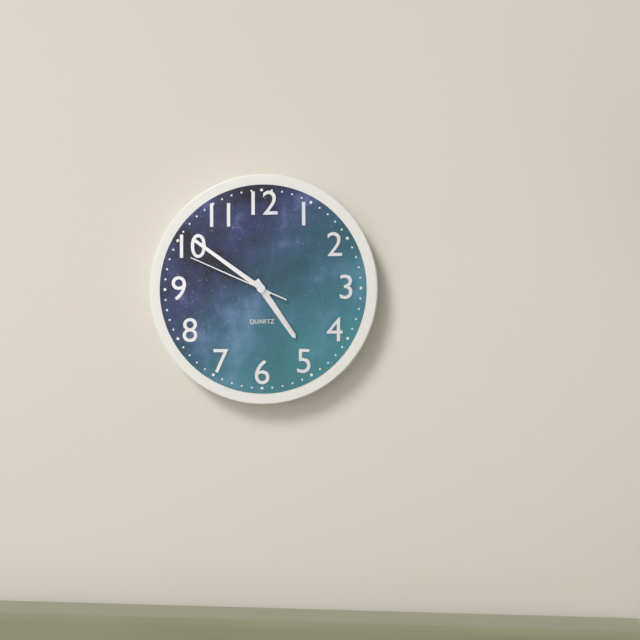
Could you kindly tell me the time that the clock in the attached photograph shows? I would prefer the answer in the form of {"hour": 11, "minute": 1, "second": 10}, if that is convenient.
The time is {"hour": 4, "minute": 51, "second": 49}
